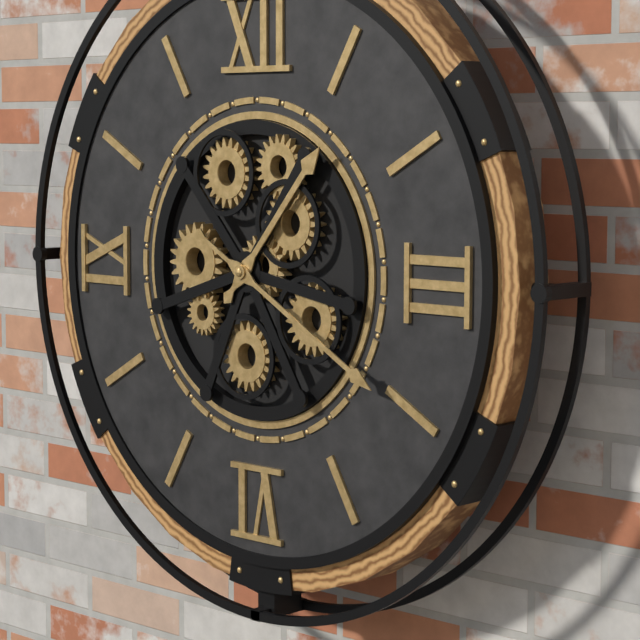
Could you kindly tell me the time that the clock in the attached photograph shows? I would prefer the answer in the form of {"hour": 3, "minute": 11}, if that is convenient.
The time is {"hour": 1, "minute": 20}
